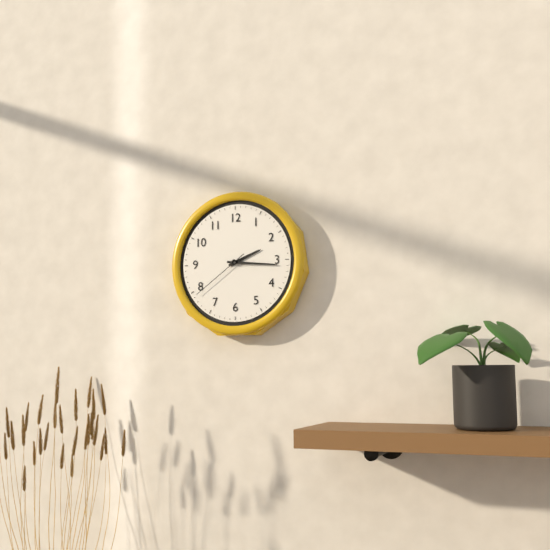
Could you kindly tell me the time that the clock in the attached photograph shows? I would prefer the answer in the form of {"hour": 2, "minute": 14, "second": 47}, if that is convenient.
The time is {"hour": 2, "minute": 16, "second": 39}
